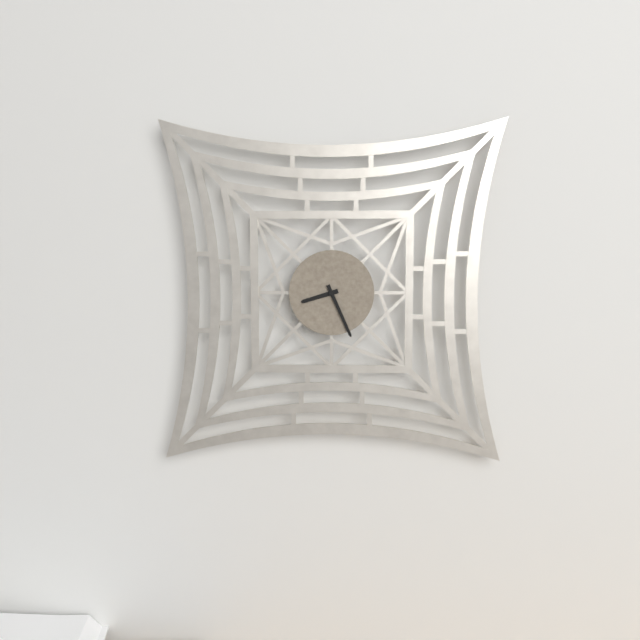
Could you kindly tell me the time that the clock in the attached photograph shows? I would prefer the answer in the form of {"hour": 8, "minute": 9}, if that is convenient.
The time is {"hour": 8, "minute": 26}
